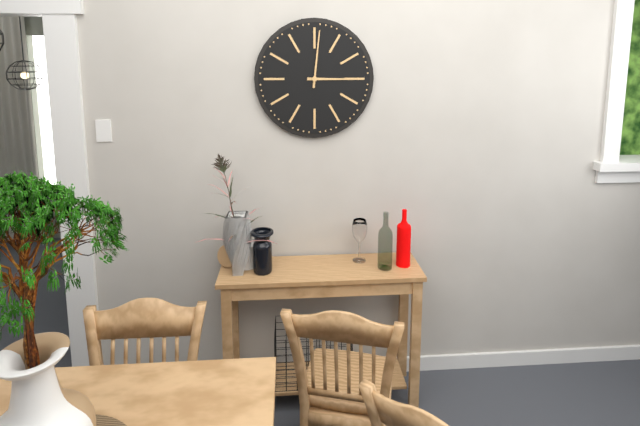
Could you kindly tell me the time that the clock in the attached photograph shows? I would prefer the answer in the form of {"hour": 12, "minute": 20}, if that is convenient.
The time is {"hour": 3, "minute": 1}
